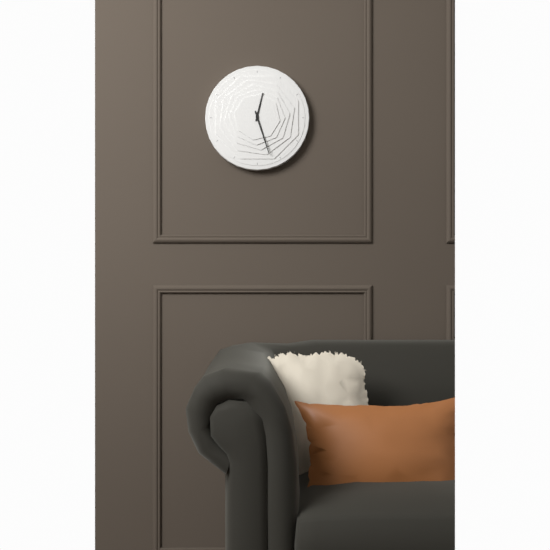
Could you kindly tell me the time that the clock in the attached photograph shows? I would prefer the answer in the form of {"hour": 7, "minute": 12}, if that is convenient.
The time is {"hour": 12, "minute": 27}
